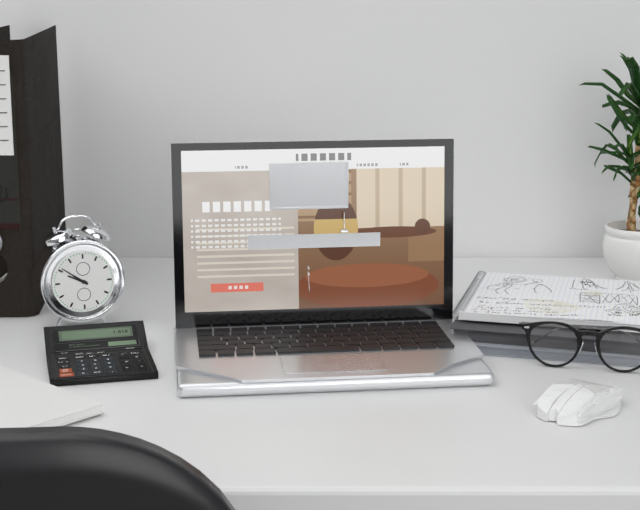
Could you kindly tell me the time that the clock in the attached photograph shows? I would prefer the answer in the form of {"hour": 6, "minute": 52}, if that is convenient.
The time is {"hour": 9, "minute": 51}
